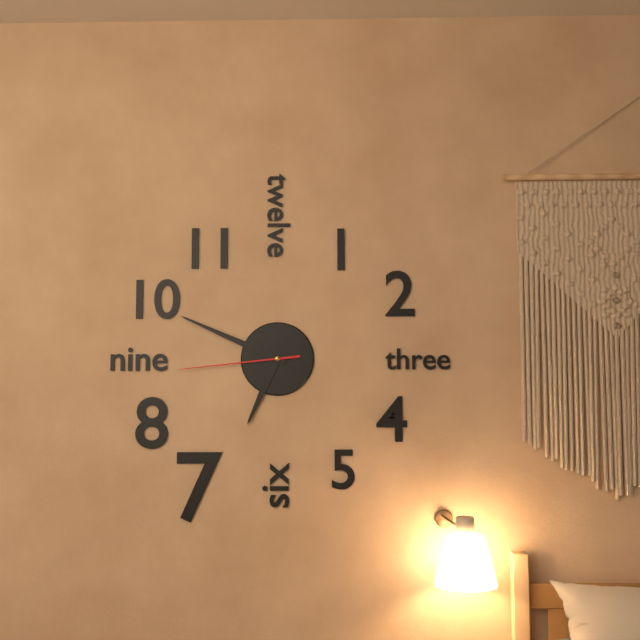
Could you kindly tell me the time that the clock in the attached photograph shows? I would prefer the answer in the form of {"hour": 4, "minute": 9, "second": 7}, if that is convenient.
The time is {"hour": 6, "minute": 49, "second": 44}
